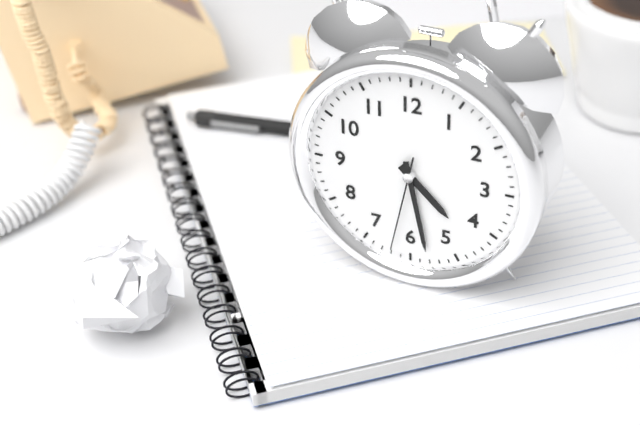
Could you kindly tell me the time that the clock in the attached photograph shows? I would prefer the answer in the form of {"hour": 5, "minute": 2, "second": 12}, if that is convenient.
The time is {"hour": 4, "minute": 28, "second": 32}
